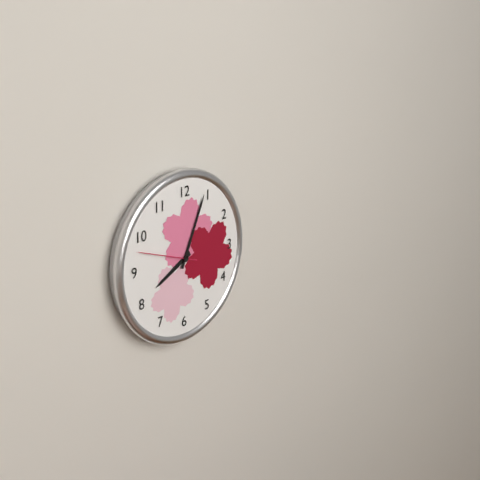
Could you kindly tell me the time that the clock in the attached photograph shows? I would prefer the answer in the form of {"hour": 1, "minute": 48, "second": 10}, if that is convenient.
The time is {"hour": 8, "minute": 4, "second": 48}
